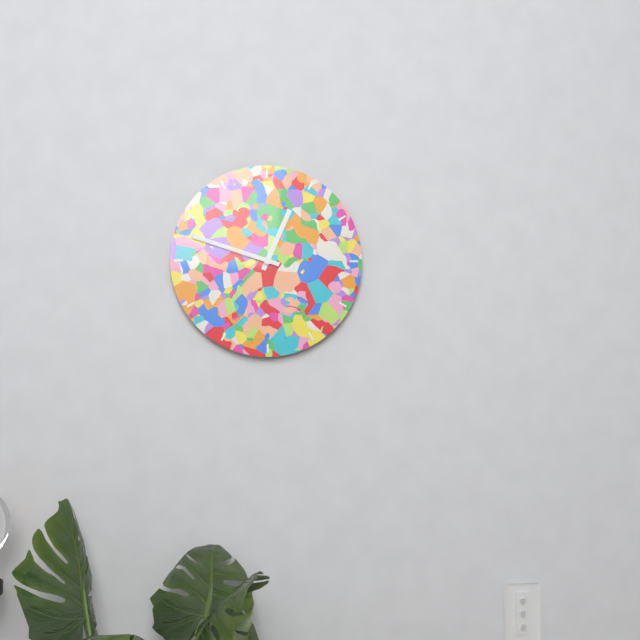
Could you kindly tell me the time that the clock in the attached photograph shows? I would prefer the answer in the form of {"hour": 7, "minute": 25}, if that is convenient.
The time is {"hour": 12, "minute": 48}
